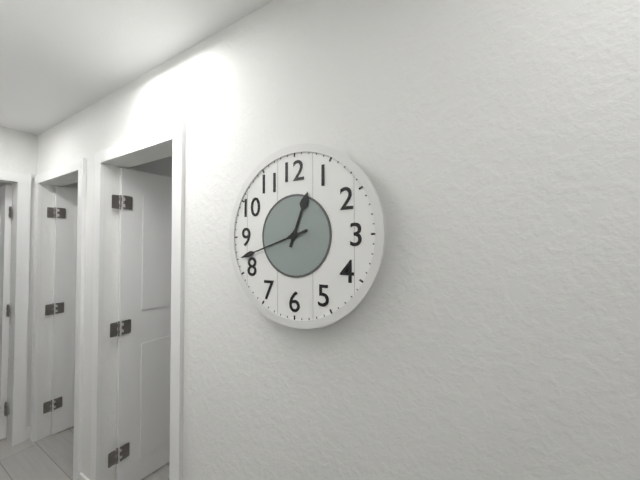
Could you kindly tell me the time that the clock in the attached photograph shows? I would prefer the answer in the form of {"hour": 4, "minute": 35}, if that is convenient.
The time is {"hour": 12, "minute": 42}
